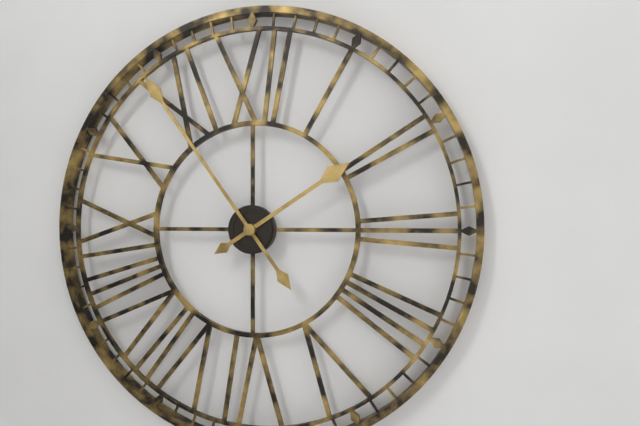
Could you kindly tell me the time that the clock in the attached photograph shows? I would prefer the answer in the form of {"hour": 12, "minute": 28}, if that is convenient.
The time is {"hour": 1, "minute": 54}
